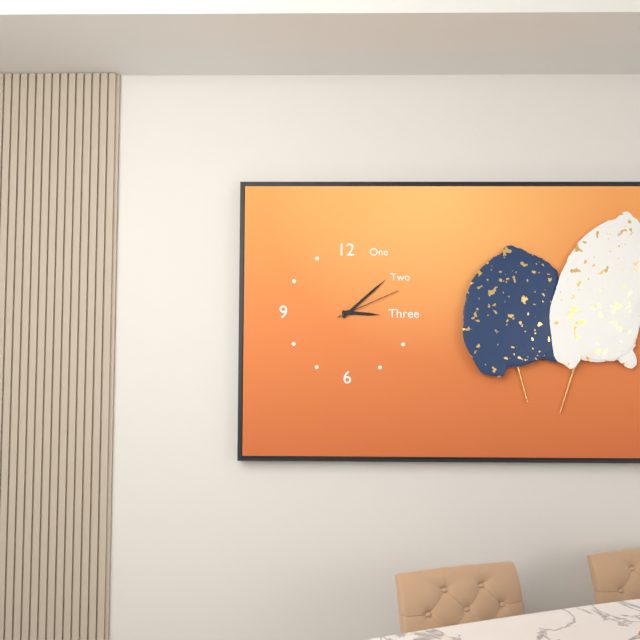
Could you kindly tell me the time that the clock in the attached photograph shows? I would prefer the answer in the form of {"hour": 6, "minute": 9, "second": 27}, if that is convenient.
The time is {"hour": 3, "minute": 8, "second": 11}
